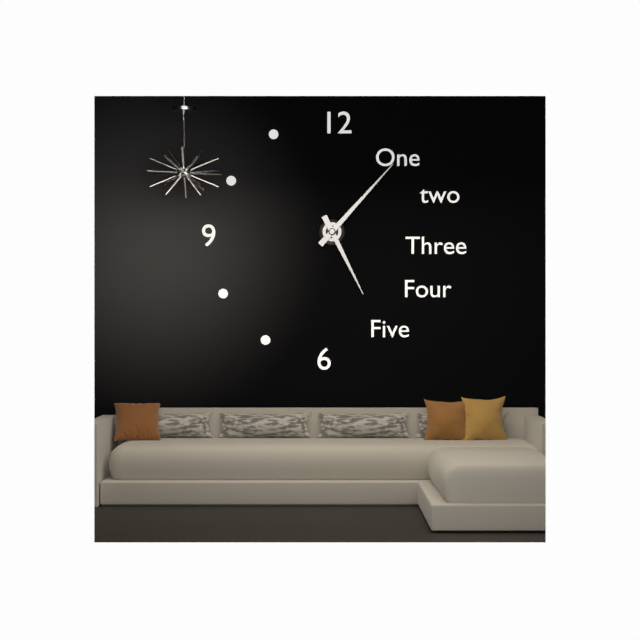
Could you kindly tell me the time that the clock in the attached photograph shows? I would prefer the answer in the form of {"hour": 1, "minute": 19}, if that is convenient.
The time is {"hour": 5, "minute": 7}
